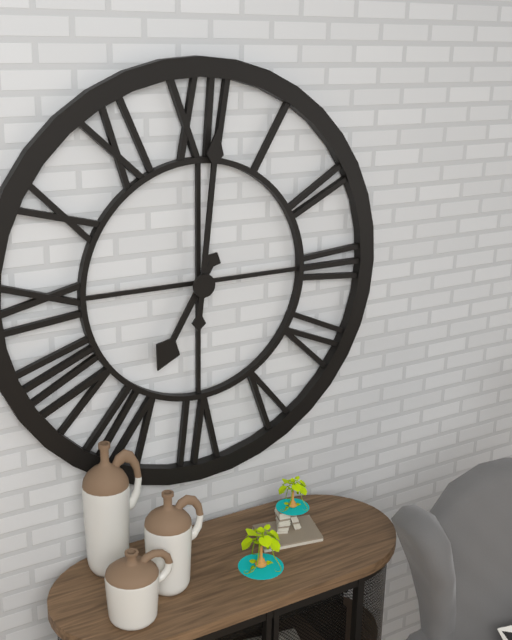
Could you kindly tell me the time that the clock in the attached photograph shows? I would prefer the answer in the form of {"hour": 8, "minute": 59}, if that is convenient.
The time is {"hour": 7, "minute": 1}
